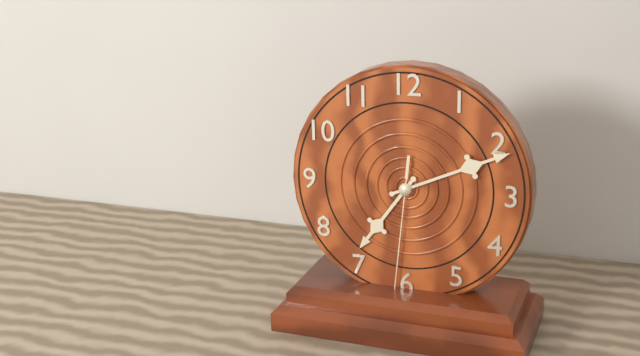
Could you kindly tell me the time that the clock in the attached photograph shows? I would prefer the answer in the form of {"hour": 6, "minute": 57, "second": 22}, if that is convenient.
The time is {"hour": 7, "minute": 11, "second": 31}
